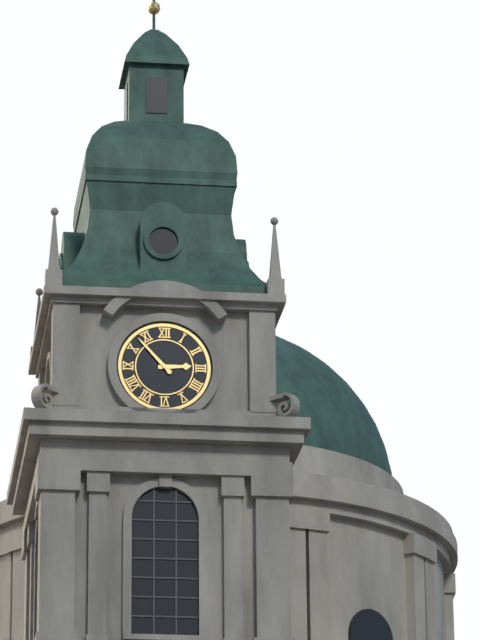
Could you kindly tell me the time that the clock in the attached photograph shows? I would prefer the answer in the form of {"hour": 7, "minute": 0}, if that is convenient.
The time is {"hour": 2, "minute": 53}
